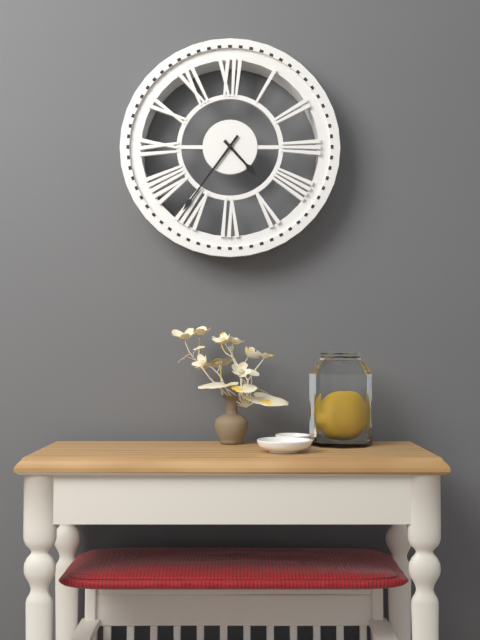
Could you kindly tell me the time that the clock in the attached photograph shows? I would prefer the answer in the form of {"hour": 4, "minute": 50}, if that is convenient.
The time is {"hour": 4, "minute": 36}
